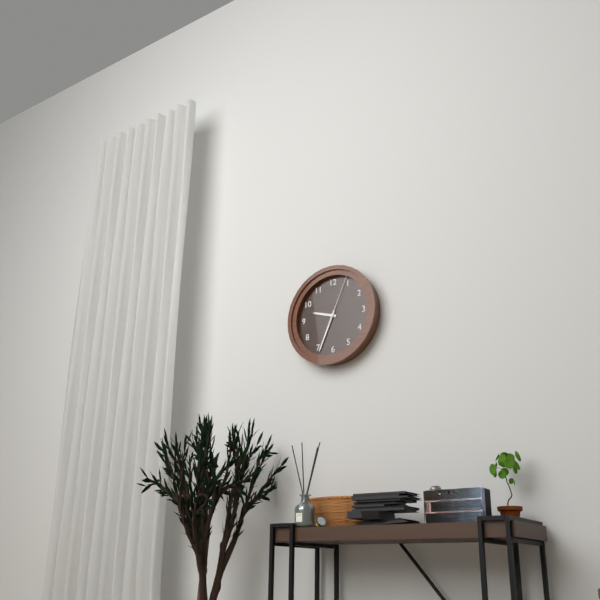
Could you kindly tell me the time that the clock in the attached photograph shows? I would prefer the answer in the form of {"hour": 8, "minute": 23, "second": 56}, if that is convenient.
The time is {"hour": 9, "minute": 34, "second": 4}
